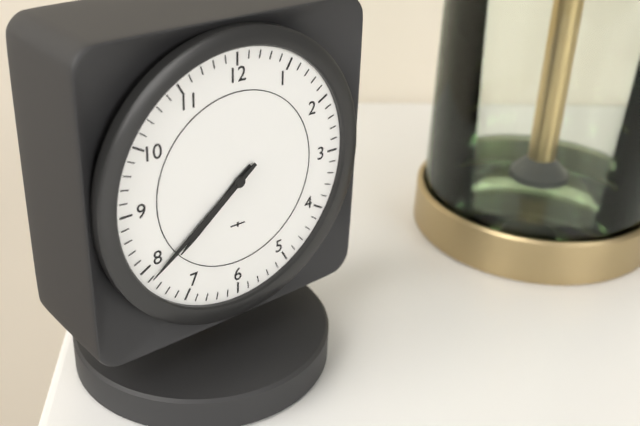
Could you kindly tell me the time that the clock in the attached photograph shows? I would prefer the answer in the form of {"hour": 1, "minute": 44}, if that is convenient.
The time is {"hour": 7, "minute": 39}
